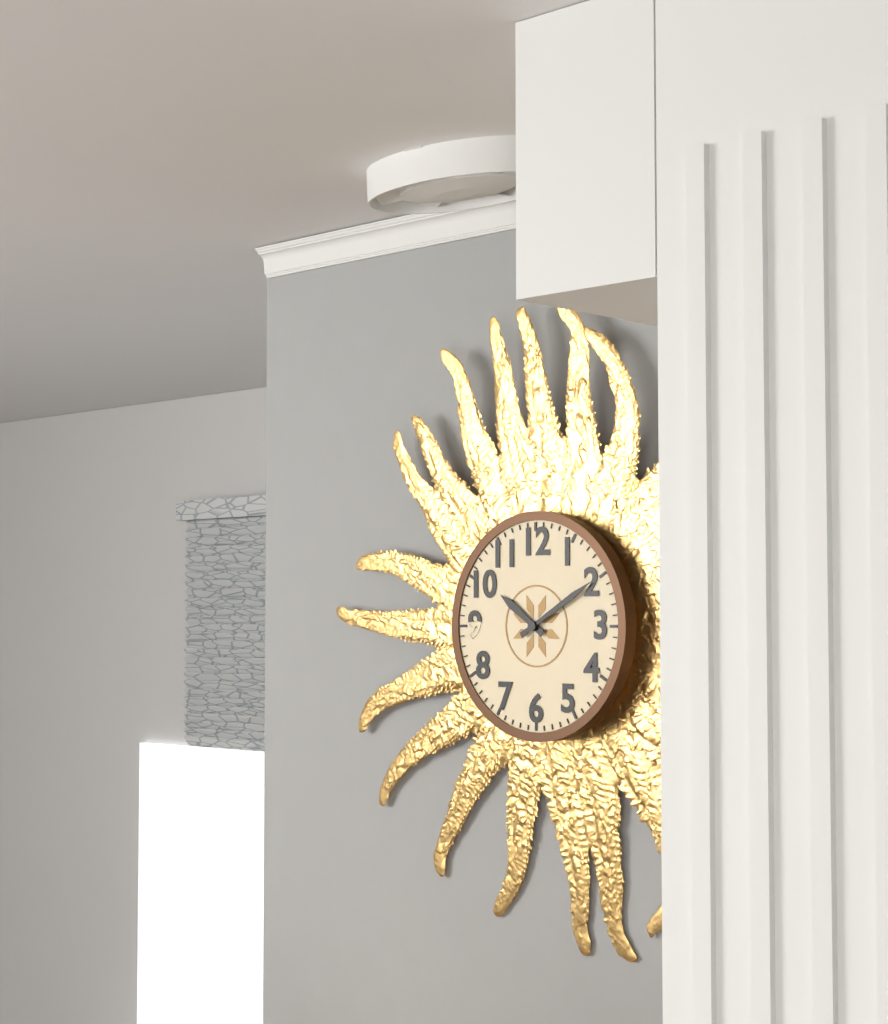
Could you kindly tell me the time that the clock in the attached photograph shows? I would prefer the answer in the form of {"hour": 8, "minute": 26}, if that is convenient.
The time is {"hour": 10, "minute": 10}
